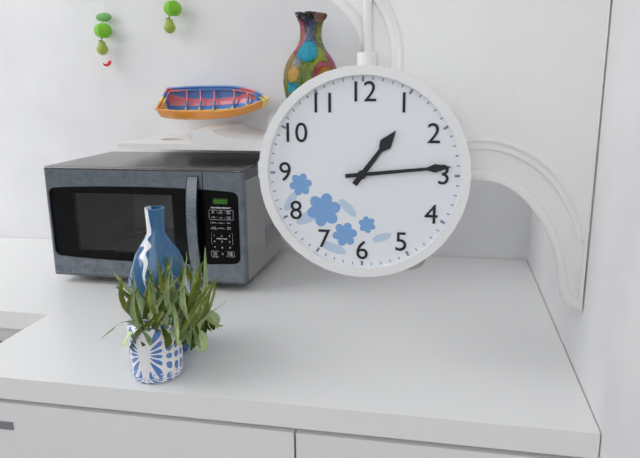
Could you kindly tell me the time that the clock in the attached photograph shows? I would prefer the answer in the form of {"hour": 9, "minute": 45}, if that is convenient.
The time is {"hour": 1, "minute": 14}
